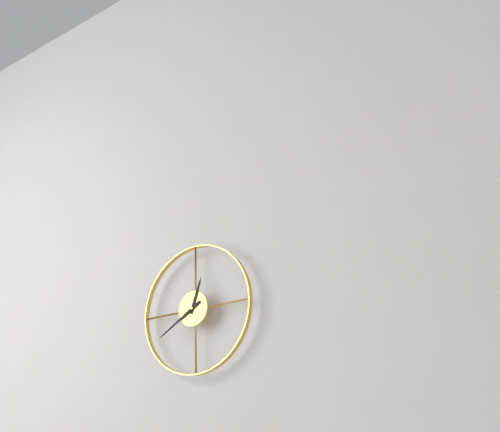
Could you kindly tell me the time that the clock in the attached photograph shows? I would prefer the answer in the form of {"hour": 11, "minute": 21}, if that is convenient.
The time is {"hour": 12, "minute": 40}
